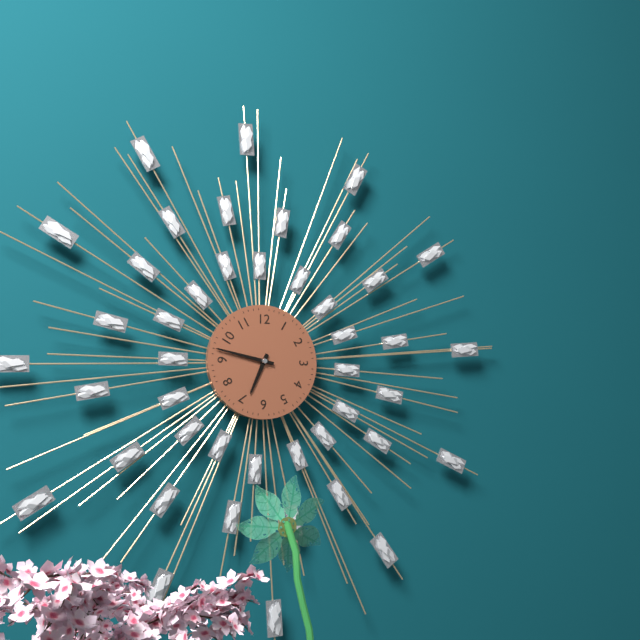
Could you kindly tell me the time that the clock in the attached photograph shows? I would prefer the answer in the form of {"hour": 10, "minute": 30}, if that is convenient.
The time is {"hour": 6, "minute": 47}
